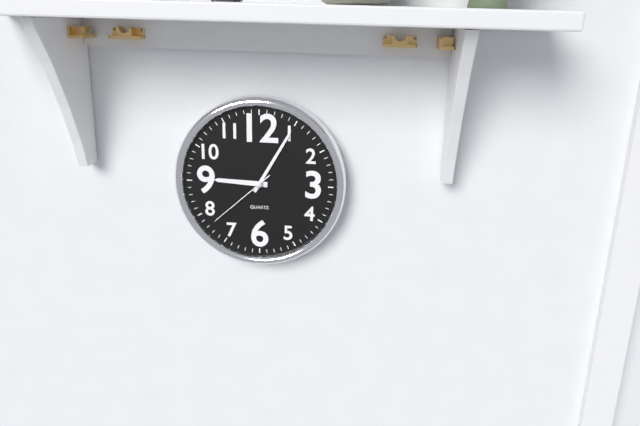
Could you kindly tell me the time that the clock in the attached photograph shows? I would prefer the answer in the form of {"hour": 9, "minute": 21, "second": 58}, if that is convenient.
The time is {"hour": 9, "minute": 5, "second": 38}
